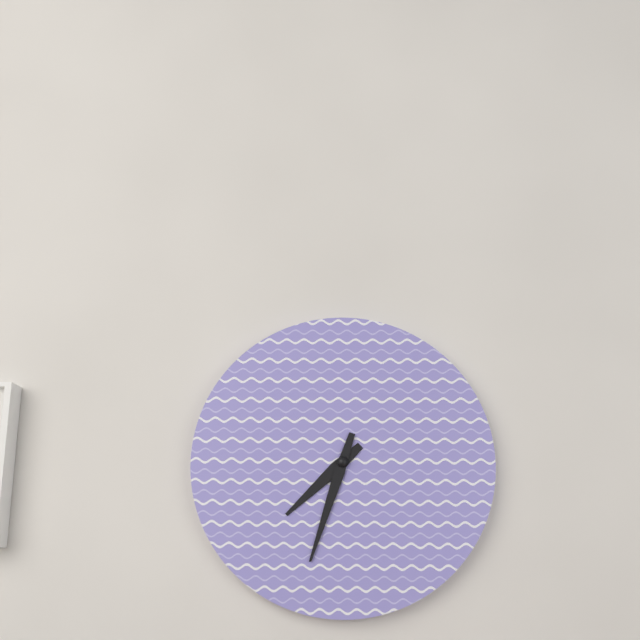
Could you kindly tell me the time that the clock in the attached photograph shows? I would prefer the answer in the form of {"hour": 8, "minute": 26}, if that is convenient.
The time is {"hour": 7, "minute": 33}
